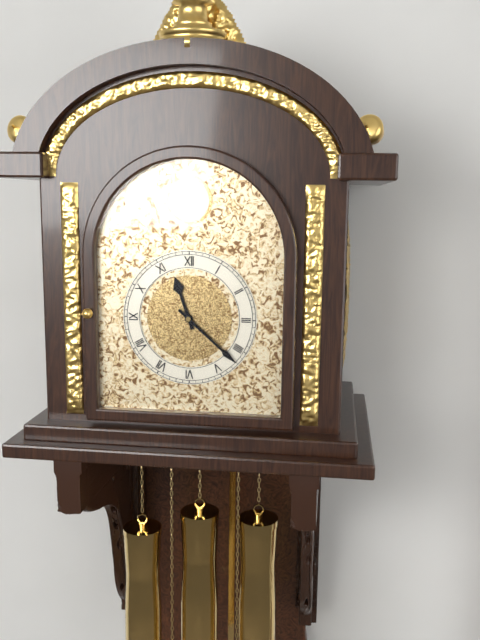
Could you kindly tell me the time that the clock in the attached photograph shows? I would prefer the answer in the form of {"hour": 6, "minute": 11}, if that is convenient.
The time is {"hour": 11, "minute": 22}
